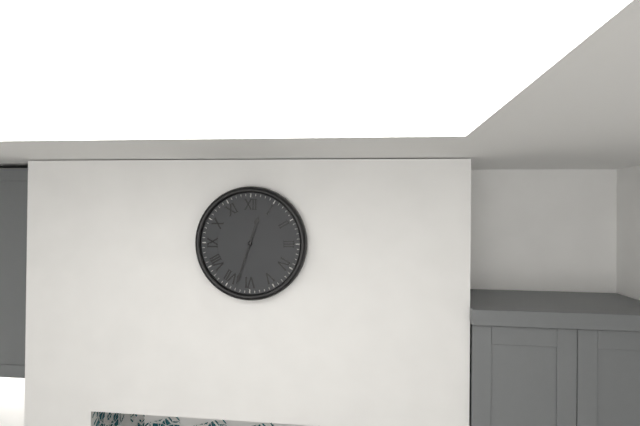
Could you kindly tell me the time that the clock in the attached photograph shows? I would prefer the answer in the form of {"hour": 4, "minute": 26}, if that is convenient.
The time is {"hour": 12, "minute": 33}
